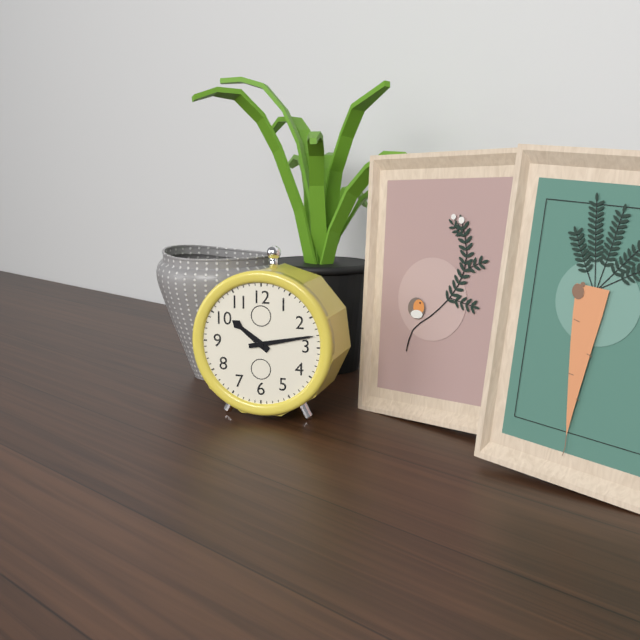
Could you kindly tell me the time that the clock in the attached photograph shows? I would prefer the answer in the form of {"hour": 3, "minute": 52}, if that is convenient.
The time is {"hour": 10, "minute": 13}
